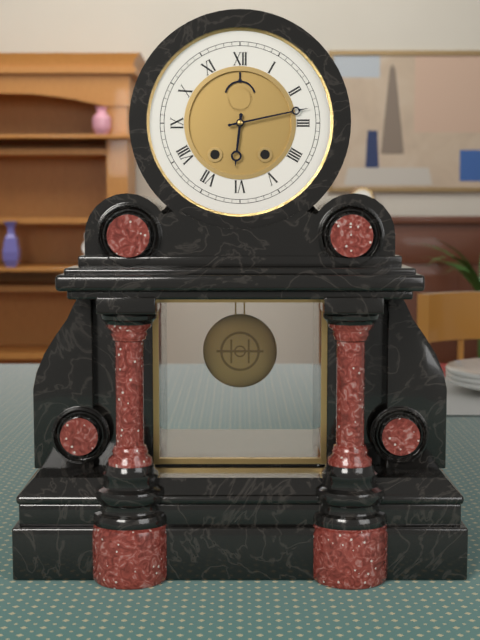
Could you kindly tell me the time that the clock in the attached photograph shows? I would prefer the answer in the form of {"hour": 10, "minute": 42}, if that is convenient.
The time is {"hour": 6, "minute": 13}
